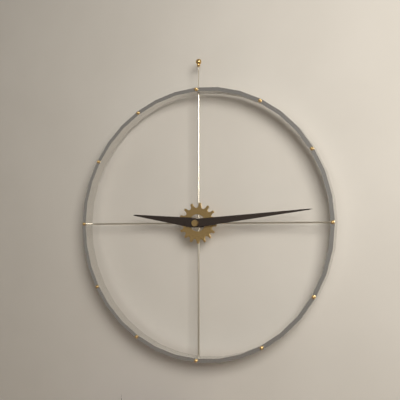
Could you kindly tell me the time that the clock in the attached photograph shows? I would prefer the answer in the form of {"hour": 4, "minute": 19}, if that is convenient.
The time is {"hour": 9, "minute": 14}
